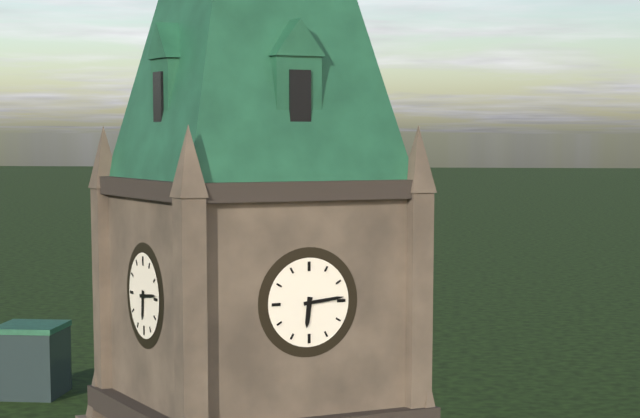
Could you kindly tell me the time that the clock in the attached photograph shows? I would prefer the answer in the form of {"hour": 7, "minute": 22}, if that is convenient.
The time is {"hour": 6, "minute": 14}
